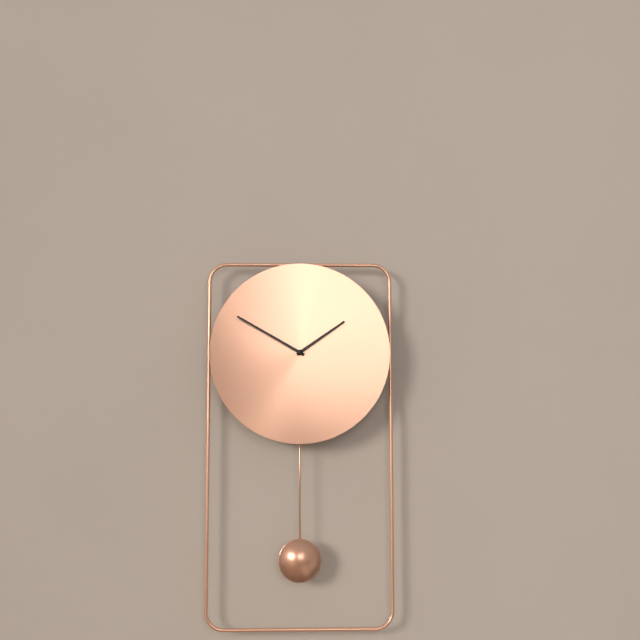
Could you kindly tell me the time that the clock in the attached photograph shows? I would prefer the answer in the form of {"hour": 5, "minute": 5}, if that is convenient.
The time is {"hour": 1, "minute": 50}
